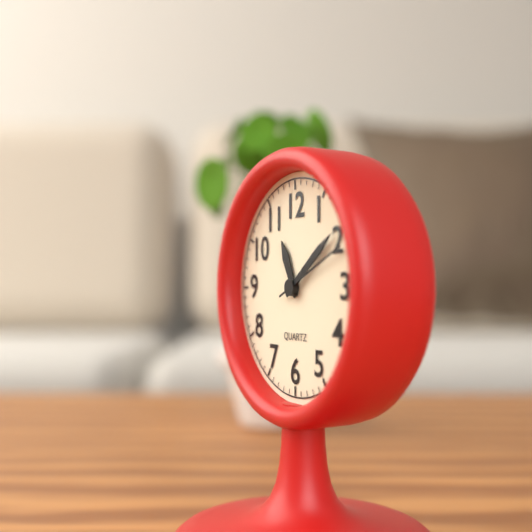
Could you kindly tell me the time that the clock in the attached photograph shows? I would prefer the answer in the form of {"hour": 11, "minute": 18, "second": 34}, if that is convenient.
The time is {"hour": 11, "minute": 9, "second": 11}
